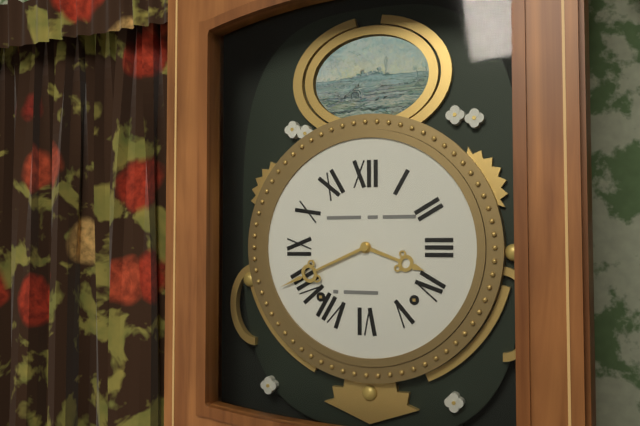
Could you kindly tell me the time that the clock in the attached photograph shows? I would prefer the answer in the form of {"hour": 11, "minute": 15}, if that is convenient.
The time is {"hour": 3, "minute": 41}
